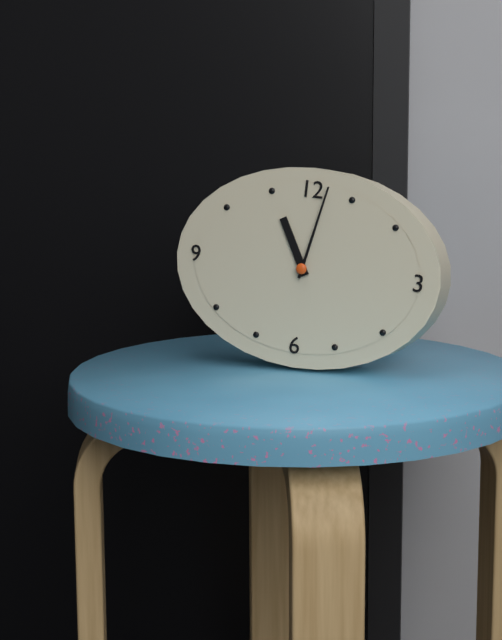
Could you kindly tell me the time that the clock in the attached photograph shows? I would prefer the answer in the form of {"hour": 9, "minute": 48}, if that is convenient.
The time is {"hour": 11, "minute": 2}
